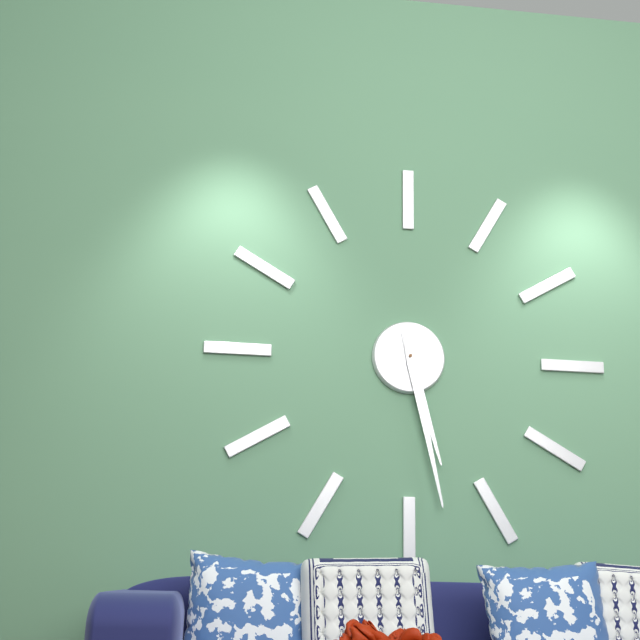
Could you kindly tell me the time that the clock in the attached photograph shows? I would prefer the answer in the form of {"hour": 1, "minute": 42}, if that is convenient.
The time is {"hour": 5, "minute": 28}
